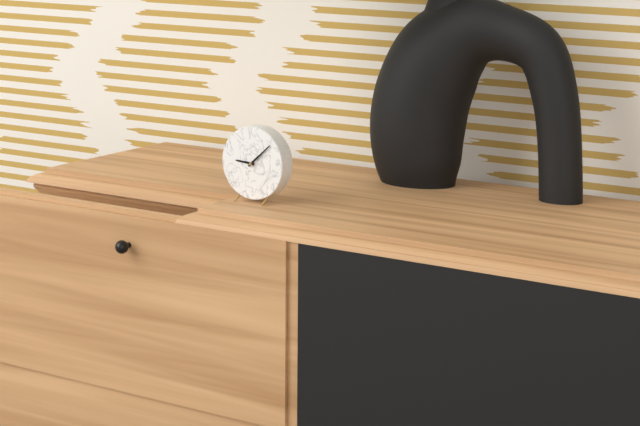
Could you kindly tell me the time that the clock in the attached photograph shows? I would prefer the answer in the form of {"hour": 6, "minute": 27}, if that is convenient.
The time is {"hour": 9, "minute": 8}
